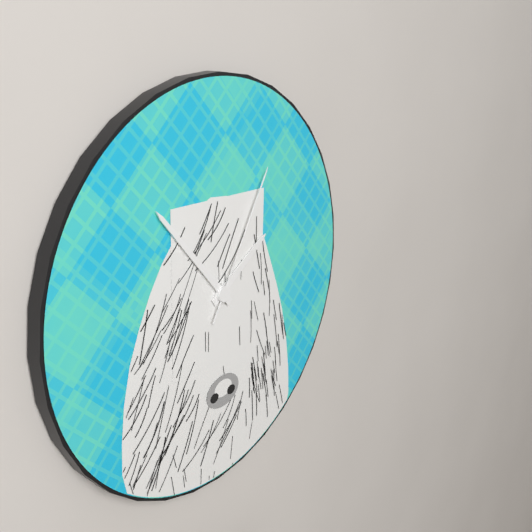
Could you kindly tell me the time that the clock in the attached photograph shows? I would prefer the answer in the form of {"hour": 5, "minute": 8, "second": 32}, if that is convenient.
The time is {"hour": 1, "minute": 53, "second": 5}
